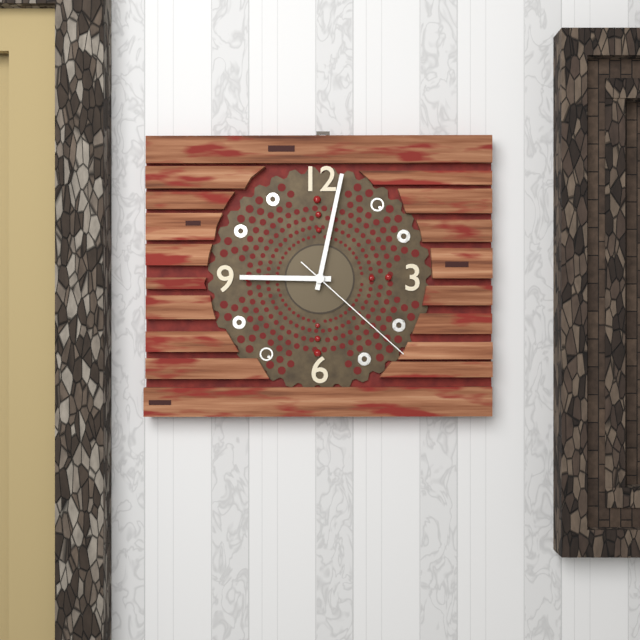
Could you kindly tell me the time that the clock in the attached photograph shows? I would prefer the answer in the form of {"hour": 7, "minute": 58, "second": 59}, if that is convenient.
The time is {"hour": 9, "minute": 2, "second": 22}
